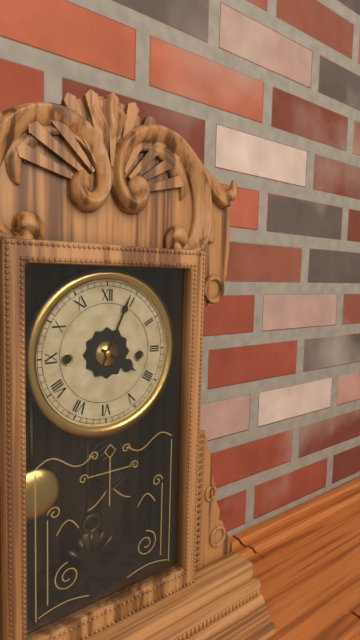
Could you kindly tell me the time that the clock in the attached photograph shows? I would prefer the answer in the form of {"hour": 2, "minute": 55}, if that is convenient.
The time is {"hour": 4, "minute": 4}
